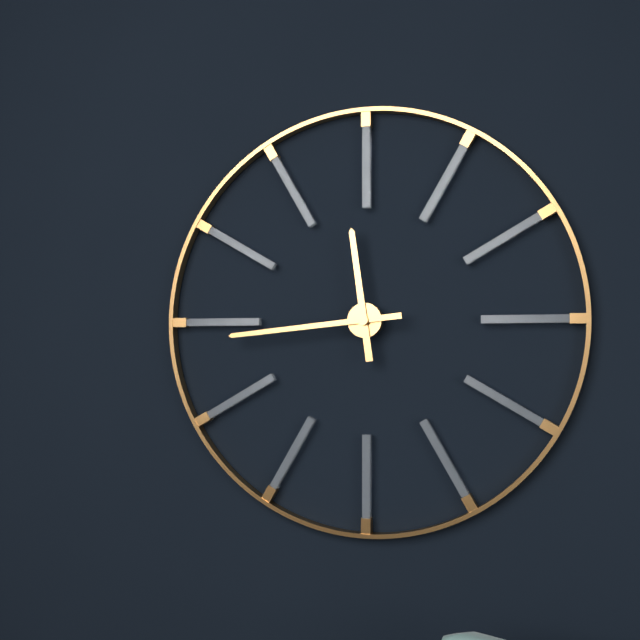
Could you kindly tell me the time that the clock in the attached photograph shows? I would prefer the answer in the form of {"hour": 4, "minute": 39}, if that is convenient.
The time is {"hour": 11, "minute": 44}
